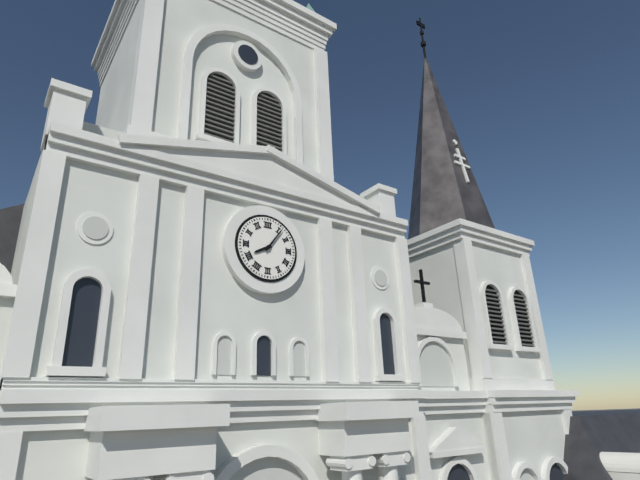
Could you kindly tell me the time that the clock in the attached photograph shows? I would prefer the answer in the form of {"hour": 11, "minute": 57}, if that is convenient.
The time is {"hour": 8, "minute": 6}
